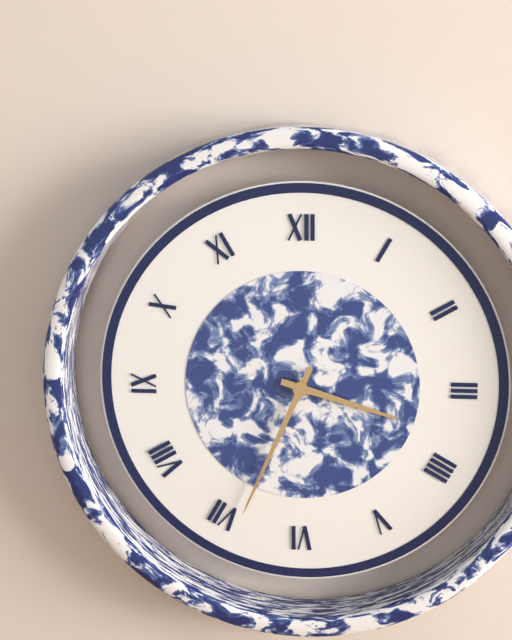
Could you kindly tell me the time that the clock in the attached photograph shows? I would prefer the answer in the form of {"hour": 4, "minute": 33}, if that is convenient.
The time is {"hour": 3, "minute": 34}
